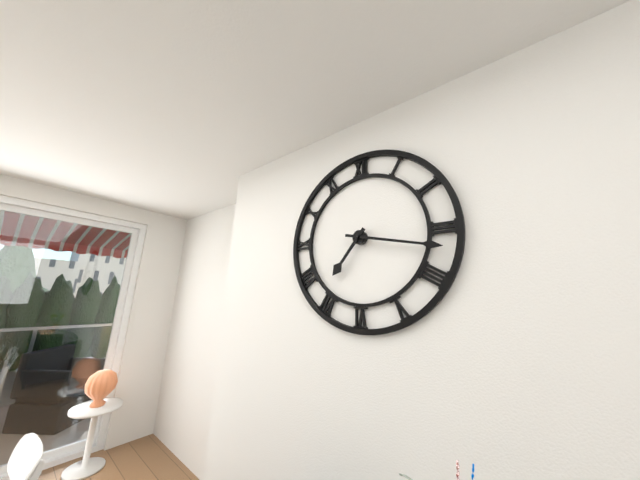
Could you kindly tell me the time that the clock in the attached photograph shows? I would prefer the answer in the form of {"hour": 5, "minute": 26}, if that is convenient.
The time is {"hour": 7, "minute": 17}
